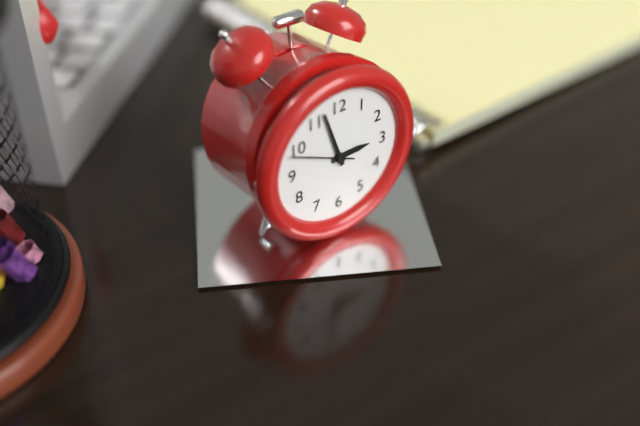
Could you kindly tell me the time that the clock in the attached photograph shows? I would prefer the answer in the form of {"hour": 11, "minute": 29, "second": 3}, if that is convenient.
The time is {"hour": 2, "minute": 57, "second": 49}
